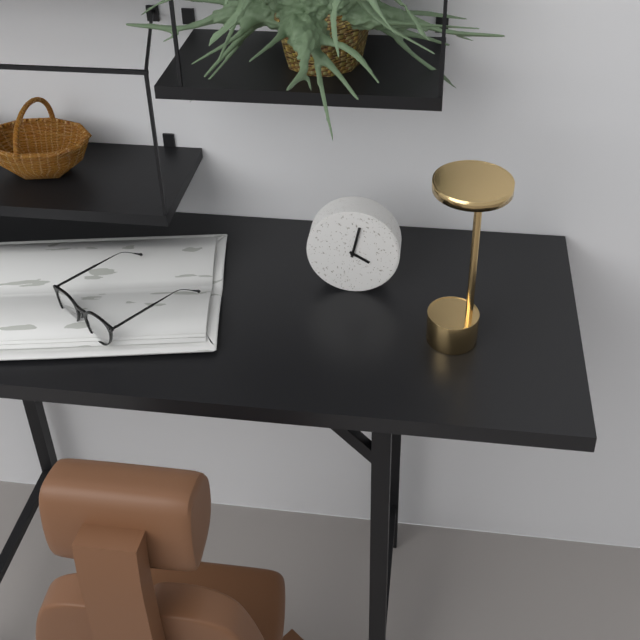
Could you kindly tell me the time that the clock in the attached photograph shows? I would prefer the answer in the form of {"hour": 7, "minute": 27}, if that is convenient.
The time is {"hour": 4, "minute": 2}
